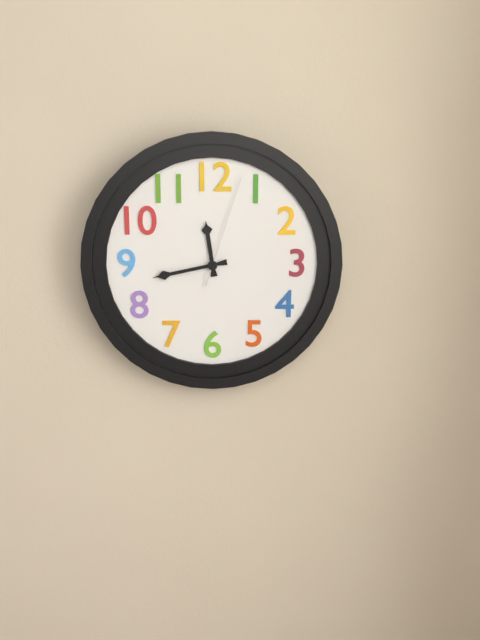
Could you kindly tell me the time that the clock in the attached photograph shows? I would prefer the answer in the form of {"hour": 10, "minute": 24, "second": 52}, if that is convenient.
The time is {"hour": 11, "minute": 43, "second": 3}
